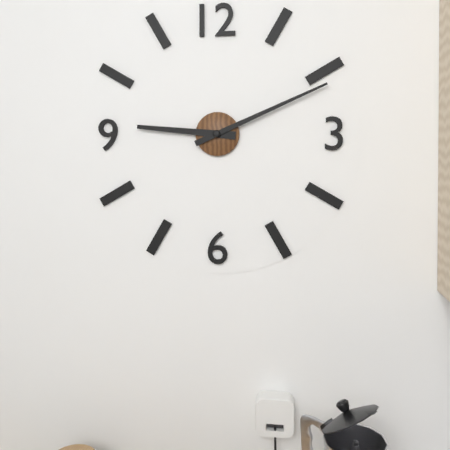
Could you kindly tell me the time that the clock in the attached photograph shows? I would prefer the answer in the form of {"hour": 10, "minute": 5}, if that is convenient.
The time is {"hour": 9, "minute": 11}
